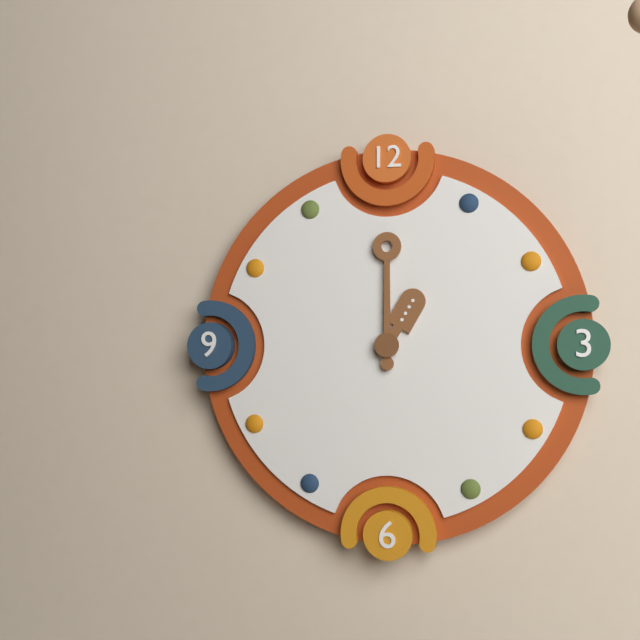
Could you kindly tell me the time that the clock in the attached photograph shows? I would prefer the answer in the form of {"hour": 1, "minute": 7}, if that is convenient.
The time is {"hour": 1, "minute": 0}
